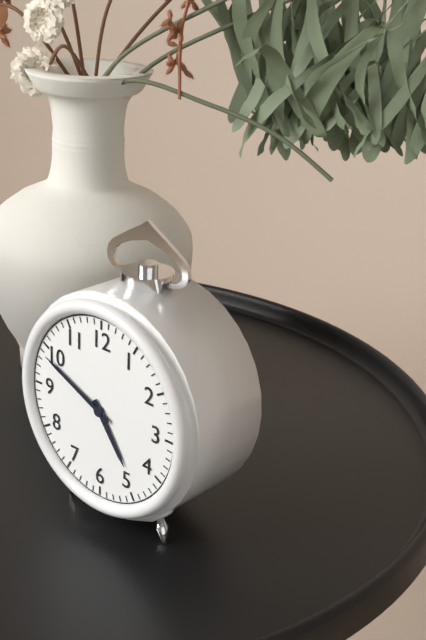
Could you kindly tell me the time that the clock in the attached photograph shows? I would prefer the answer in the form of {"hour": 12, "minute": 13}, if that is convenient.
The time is {"hour": 4, "minute": 49}
